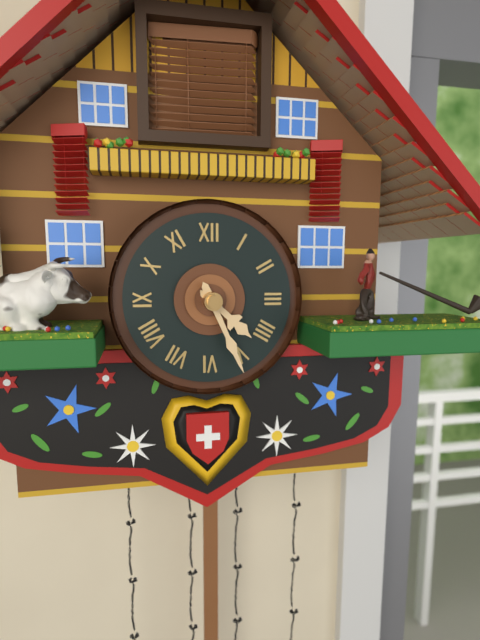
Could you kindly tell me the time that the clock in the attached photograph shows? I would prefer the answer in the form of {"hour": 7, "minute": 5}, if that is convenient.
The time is {"hour": 4, "minute": 26}
